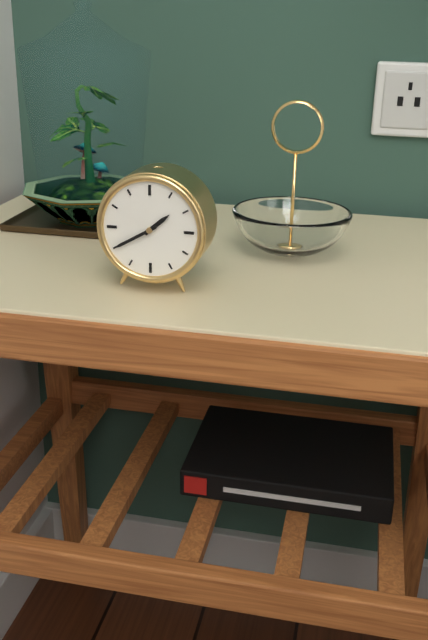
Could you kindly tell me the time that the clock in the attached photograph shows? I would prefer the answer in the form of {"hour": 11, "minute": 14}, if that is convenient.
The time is {"hour": 1, "minute": 40}
